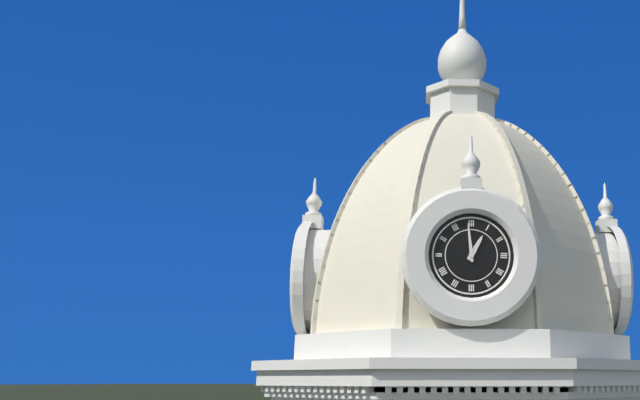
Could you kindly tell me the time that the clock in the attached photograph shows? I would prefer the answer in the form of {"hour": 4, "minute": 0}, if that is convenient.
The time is {"hour": 12, "minute": 59}
